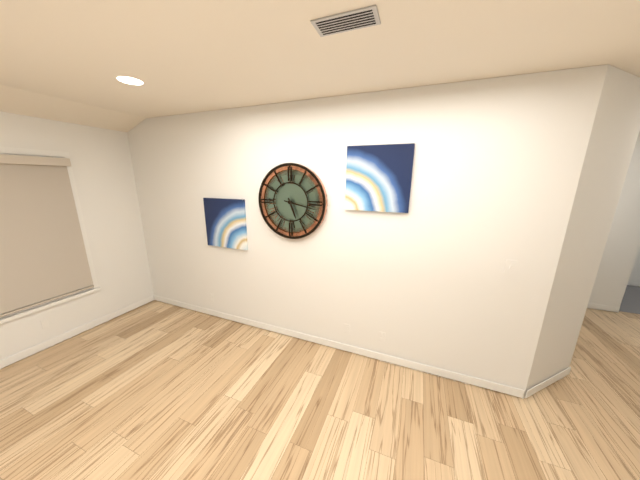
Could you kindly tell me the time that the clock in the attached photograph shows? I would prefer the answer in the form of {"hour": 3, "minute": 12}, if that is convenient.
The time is {"hour": 5, "minute": 17}
